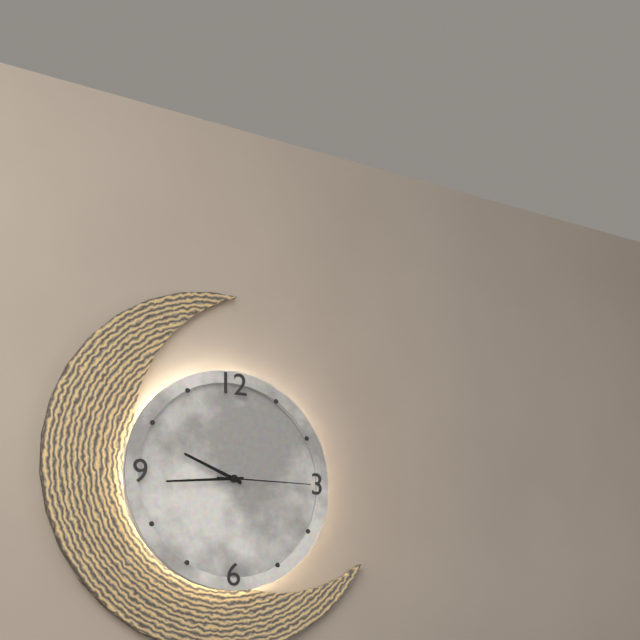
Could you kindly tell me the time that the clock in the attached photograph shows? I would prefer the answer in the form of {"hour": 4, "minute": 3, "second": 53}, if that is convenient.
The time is {"hour": 9, "minute": 44, "second": 15}
